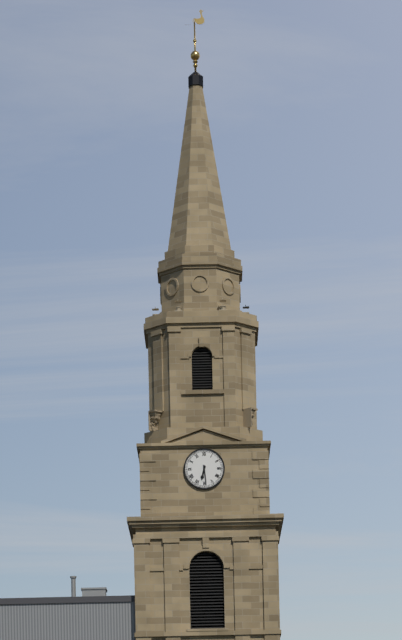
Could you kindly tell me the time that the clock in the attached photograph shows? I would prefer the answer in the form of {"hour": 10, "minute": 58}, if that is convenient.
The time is {"hour": 6, "minute": 29}
